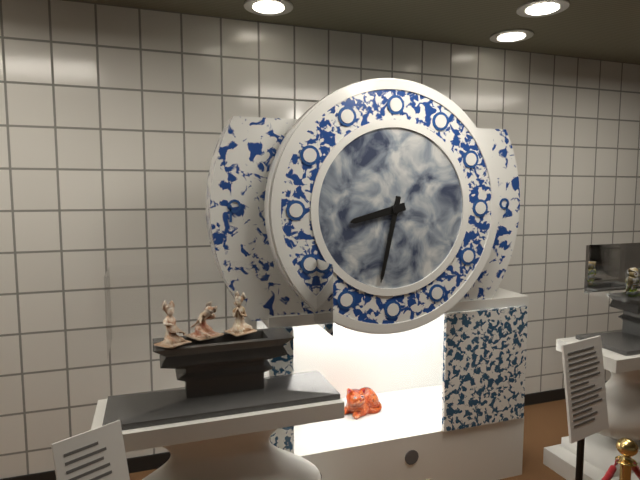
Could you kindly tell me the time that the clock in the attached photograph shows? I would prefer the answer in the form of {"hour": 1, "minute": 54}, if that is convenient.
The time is {"hour": 8, "minute": 32}
